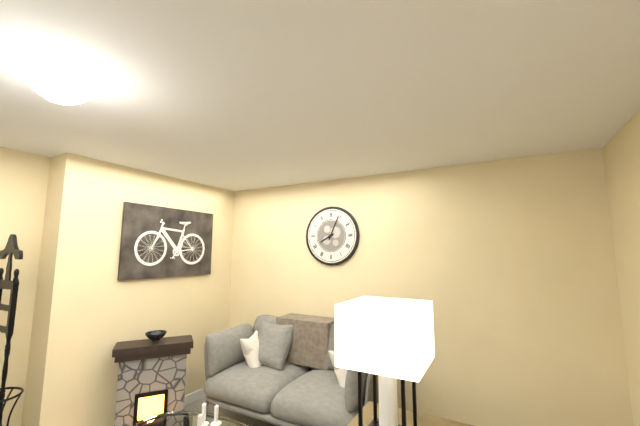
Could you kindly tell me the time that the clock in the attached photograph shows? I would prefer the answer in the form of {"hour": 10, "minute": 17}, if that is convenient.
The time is {"hour": 8, "minute": 4}
